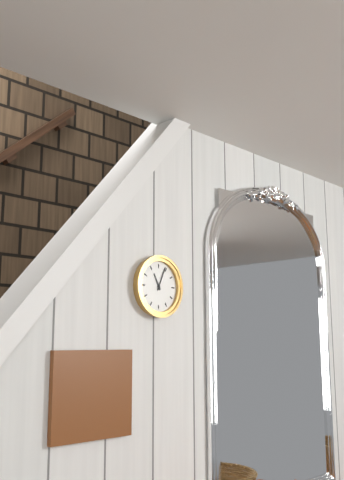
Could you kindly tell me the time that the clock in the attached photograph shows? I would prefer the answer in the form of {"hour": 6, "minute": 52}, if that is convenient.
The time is {"hour": 11, "minute": 4}
